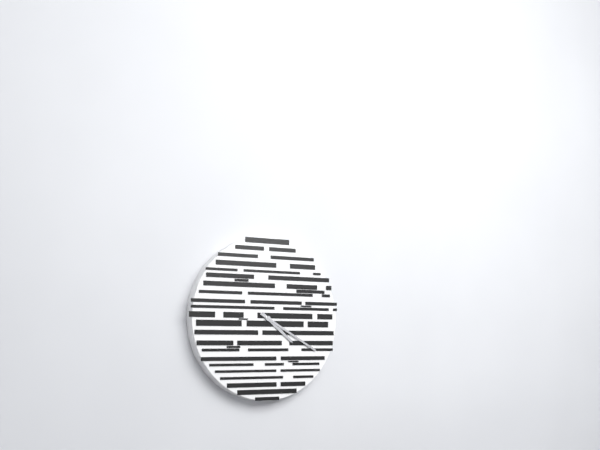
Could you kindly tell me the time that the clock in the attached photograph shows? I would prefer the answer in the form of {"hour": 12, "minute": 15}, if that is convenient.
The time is {"hour": 4, "minute": 20}
